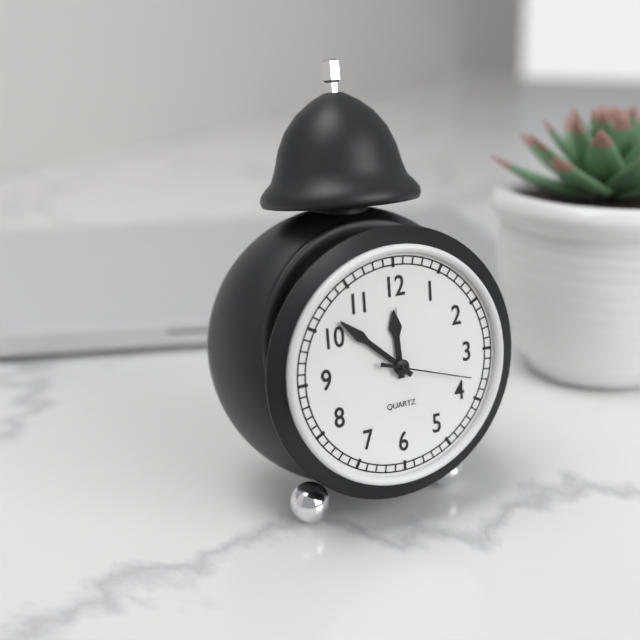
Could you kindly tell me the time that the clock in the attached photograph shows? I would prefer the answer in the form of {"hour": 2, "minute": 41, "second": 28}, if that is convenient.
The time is {"hour": 11, "minute": 52, "second": 18}
